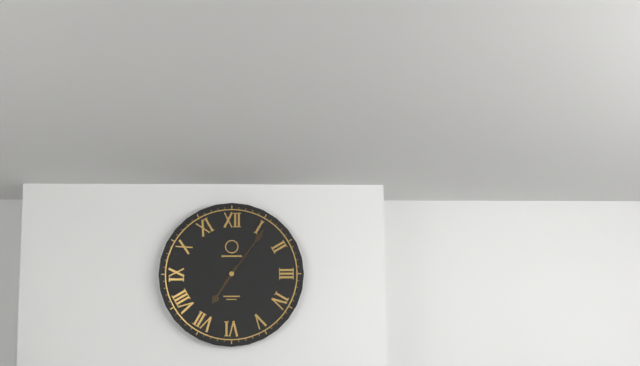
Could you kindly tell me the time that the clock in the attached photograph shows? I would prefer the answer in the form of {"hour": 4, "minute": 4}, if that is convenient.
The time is {"hour": 7, "minute": 6}
